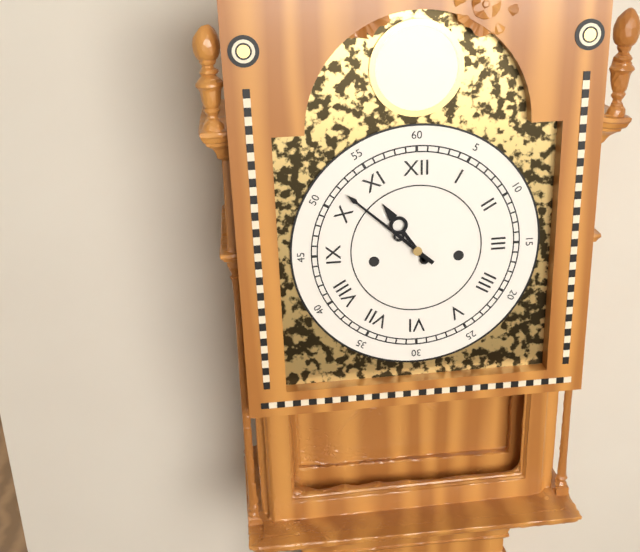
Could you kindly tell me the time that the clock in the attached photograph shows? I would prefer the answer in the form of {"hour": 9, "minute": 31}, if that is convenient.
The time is {"hour": 10, "minute": 52}
